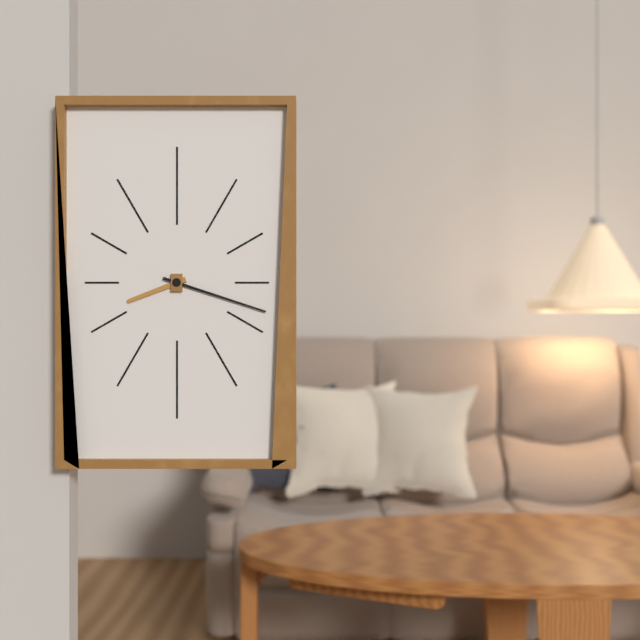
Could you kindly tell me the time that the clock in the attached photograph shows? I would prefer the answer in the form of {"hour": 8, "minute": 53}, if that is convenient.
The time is {"hour": 8, "minute": 18}
